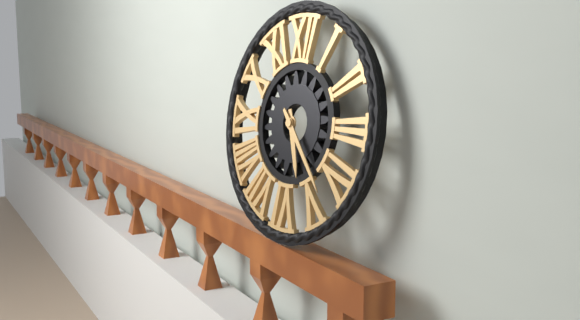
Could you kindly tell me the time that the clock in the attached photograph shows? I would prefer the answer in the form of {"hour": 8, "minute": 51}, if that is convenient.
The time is {"hour": 5, "minute": 23}
